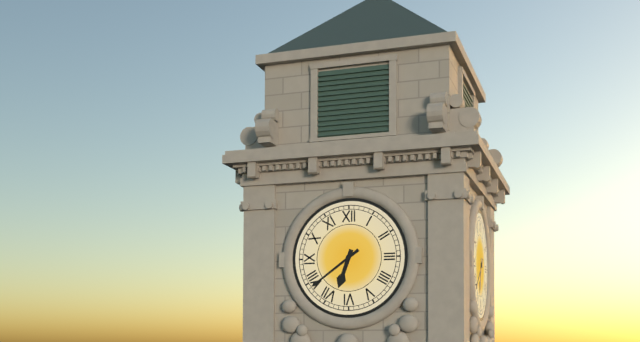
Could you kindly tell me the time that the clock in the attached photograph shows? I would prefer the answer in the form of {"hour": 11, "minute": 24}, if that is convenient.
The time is {"hour": 6, "minute": 39}
